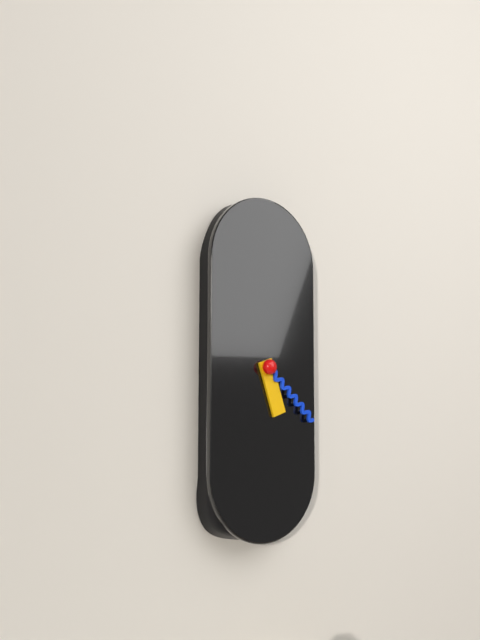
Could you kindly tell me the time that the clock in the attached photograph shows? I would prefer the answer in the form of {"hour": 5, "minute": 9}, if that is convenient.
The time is {"hour": 5, "minute": 22}
